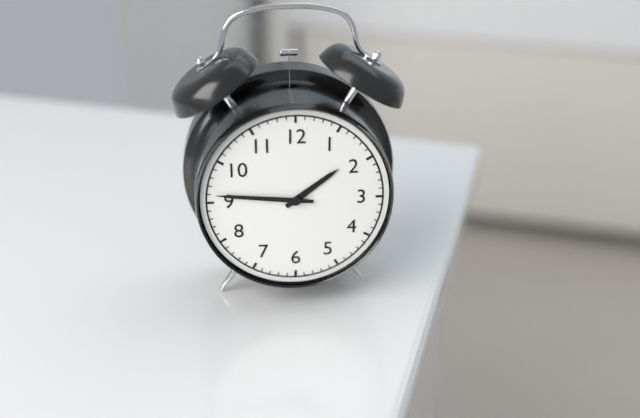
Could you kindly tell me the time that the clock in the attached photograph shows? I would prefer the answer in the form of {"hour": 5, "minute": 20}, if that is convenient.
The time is {"hour": 1, "minute": 46}
